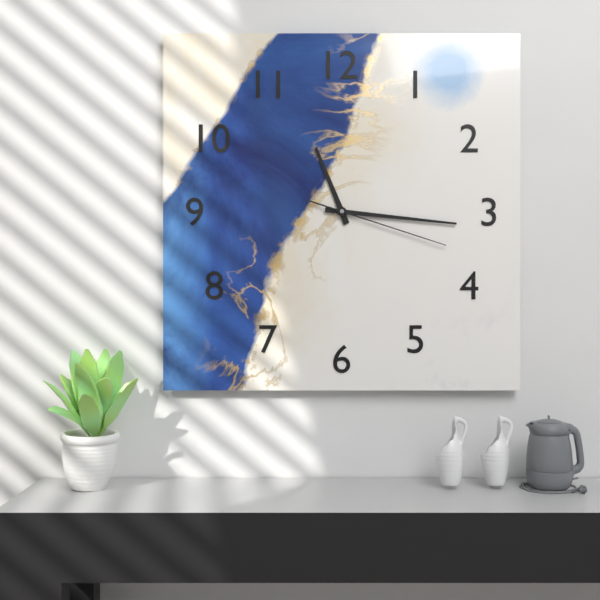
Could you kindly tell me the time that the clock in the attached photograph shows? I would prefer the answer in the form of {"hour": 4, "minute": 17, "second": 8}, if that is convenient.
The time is {"hour": 11, "minute": 16, "second": 18}
